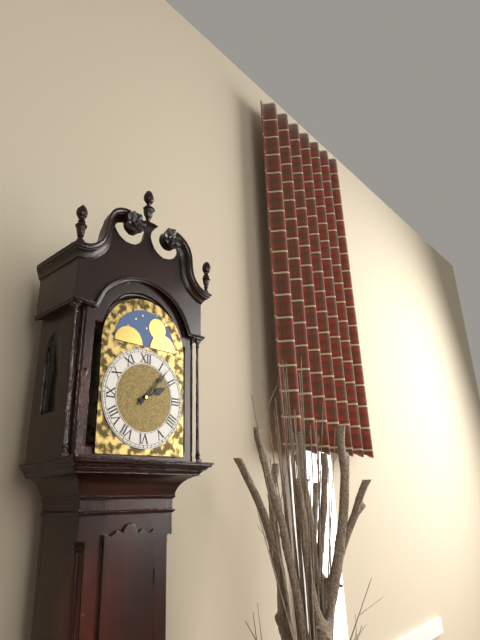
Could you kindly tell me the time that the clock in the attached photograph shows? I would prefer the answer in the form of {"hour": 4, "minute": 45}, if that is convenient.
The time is {"hour": 2, "minute": 7}
